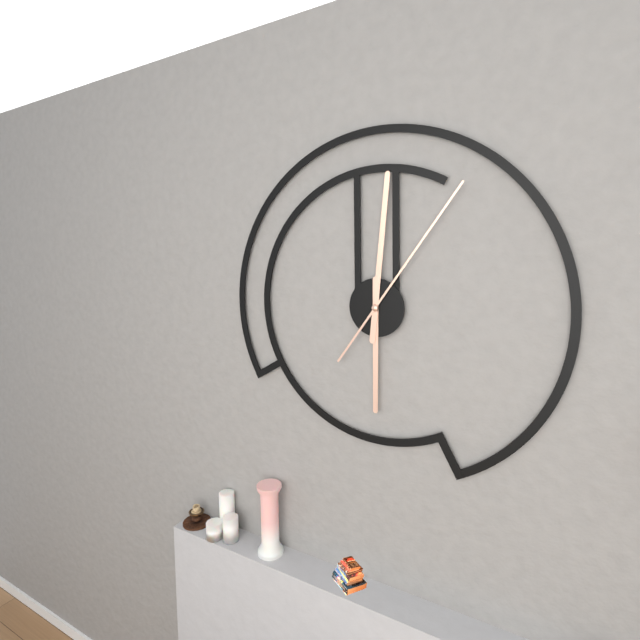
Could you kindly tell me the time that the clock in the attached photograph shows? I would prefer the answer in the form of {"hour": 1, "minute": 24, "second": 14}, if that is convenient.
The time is {"hour": 6, "minute": 1, "second": 6}
